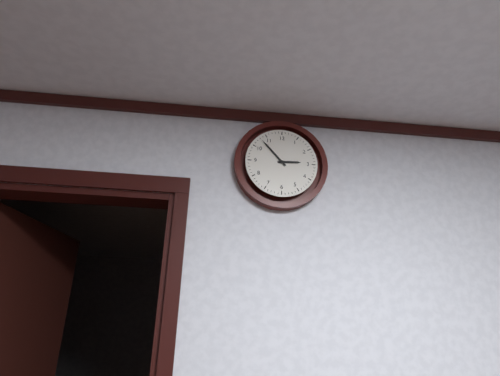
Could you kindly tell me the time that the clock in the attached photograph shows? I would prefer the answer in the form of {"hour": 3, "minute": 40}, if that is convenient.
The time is {"hour": 2, "minute": 53}
